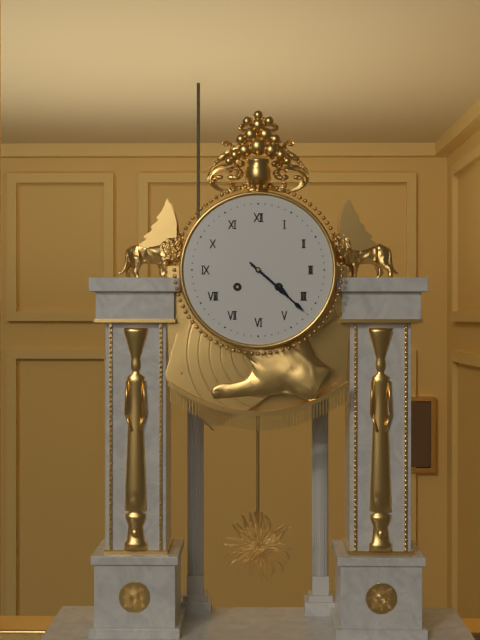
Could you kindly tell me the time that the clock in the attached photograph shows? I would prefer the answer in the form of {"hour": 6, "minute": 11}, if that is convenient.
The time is {"hour": 4, "minute": 22}
